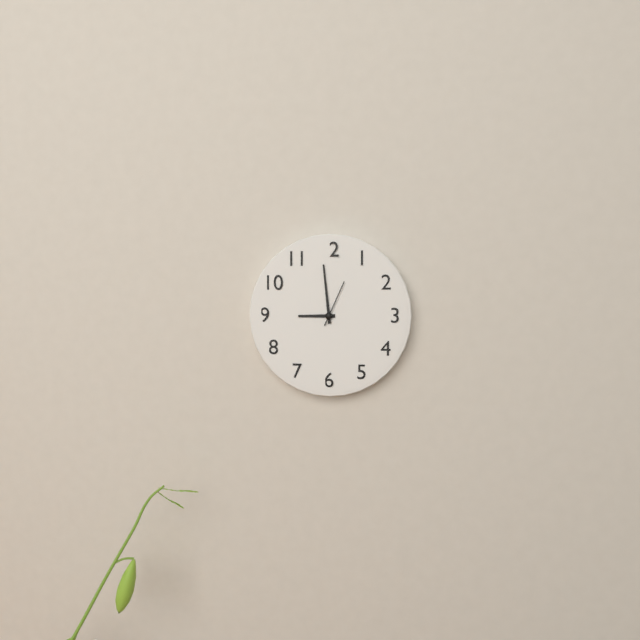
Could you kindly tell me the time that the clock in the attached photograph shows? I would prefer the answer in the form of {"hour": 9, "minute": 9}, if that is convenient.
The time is {"hour": 8, "minute": 59}
